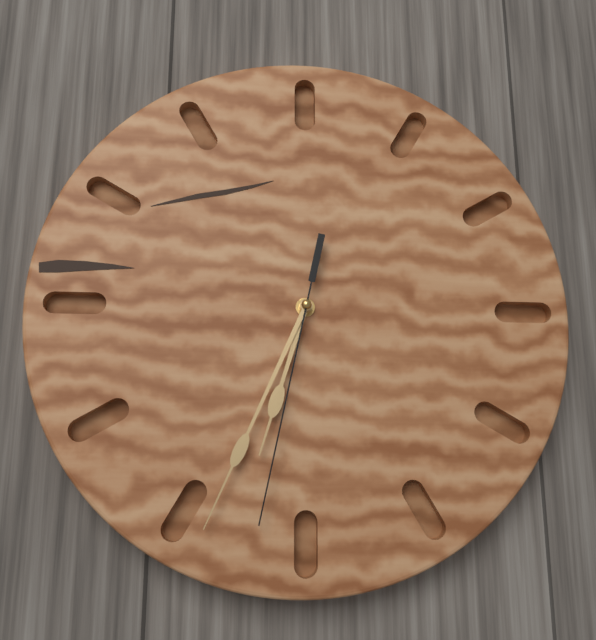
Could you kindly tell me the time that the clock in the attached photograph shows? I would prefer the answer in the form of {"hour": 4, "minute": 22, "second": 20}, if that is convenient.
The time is {"hour": 6, "minute": 34, "second": 32}
